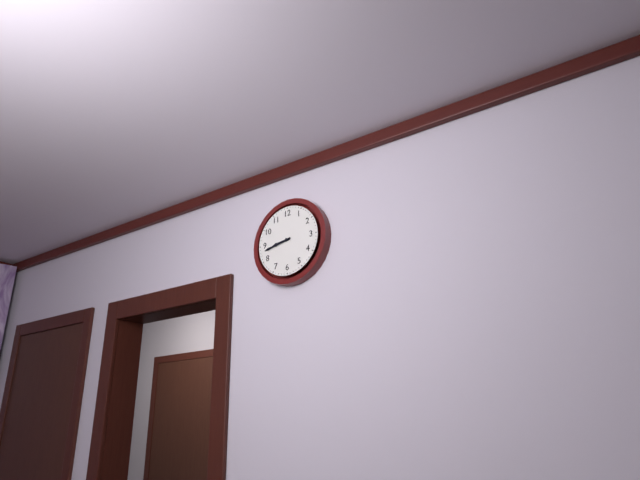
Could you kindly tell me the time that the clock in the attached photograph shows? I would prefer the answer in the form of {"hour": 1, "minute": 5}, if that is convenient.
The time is {"hour": 8, "minute": 43}
